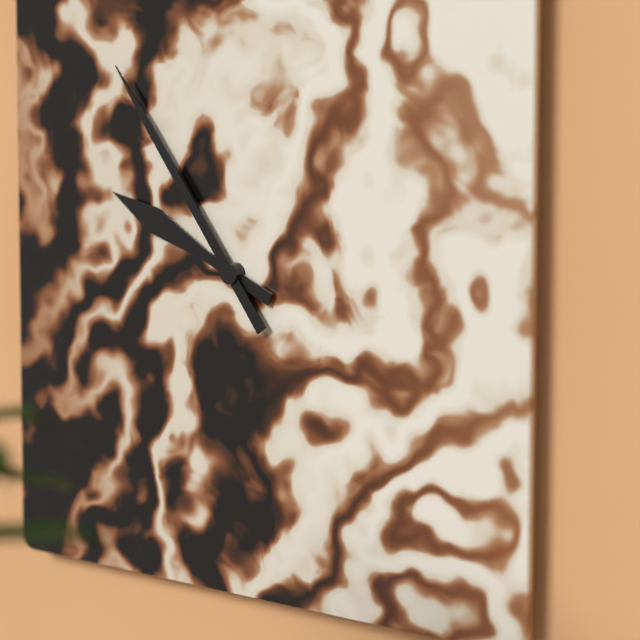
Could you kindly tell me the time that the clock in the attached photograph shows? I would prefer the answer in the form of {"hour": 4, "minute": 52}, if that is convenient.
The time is {"hour": 9, "minute": 54}
